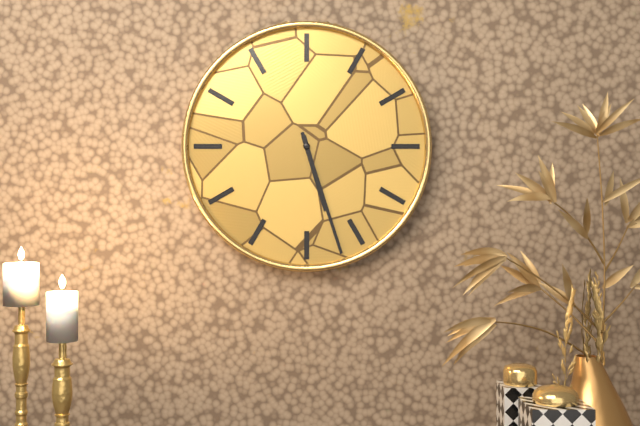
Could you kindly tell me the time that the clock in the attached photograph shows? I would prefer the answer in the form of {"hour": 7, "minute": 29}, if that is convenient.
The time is {"hour": 5, "minute": 27}
